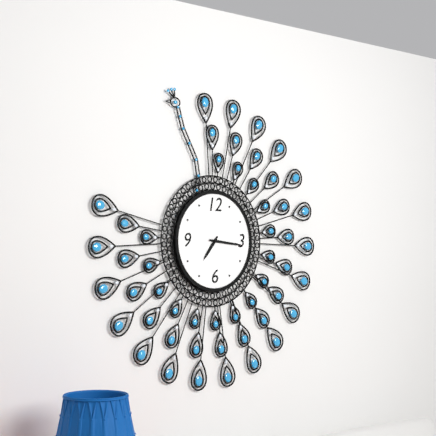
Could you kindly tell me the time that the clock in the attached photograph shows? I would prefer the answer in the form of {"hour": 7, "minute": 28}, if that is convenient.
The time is {"hour": 7, "minute": 16}
